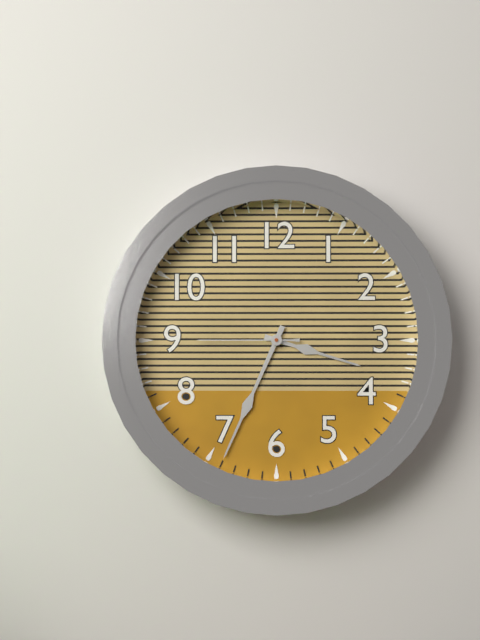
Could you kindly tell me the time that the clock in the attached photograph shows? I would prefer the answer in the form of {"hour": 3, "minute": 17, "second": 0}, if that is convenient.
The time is {"hour": 3, "minute": 34, "second": 45}
